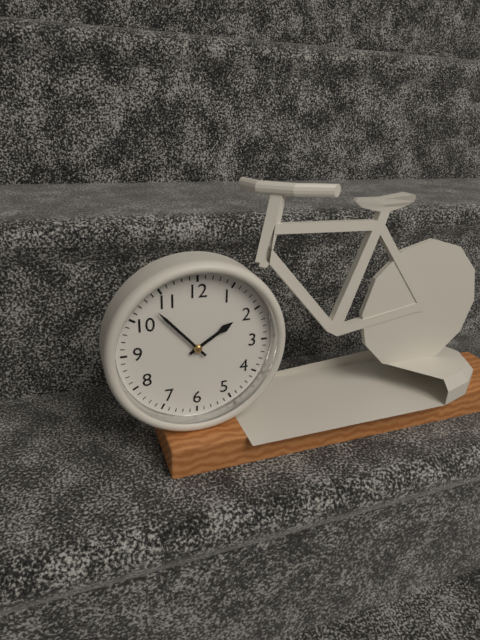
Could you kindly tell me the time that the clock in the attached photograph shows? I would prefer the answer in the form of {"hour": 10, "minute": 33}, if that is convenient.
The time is {"hour": 1, "minute": 53}
